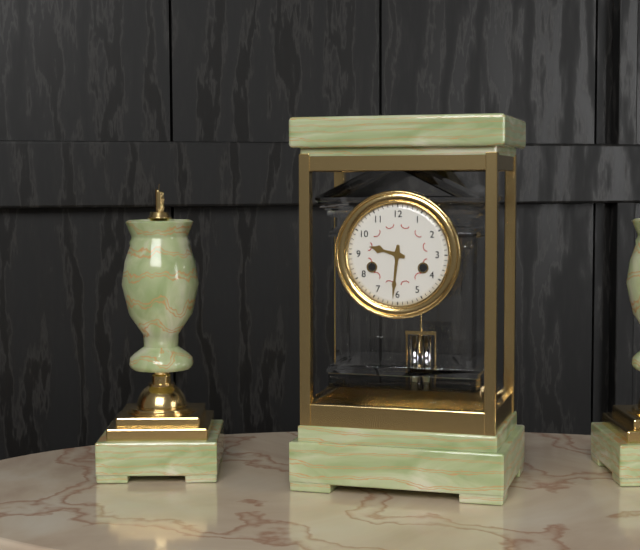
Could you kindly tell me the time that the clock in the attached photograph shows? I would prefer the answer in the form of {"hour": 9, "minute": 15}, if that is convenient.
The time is {"hour": 9, "minute": 31}
